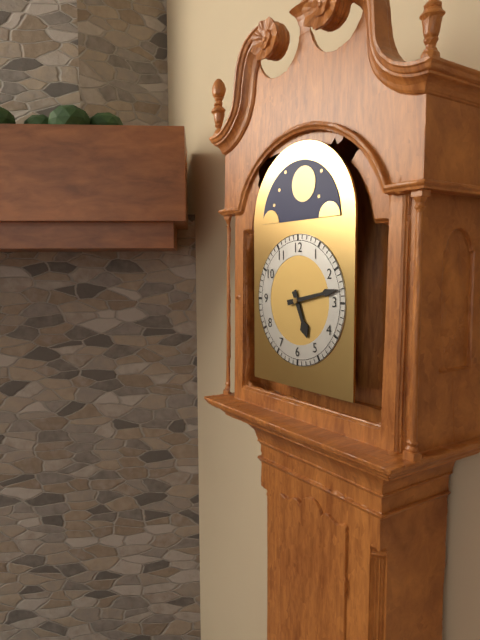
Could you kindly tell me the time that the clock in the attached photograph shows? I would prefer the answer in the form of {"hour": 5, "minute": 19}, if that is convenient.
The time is {"hour": 5, "minute": 13}
